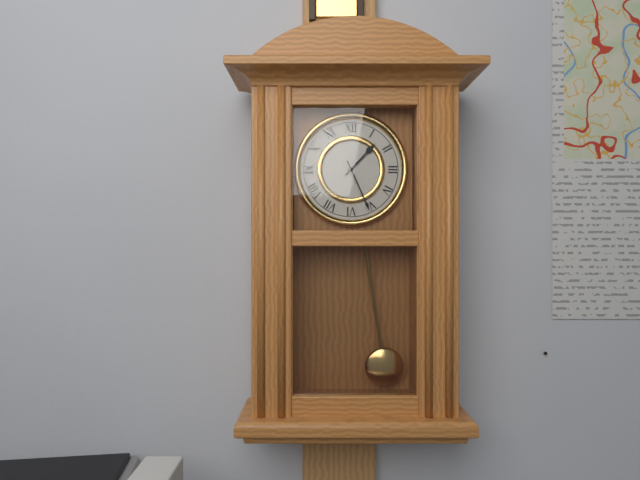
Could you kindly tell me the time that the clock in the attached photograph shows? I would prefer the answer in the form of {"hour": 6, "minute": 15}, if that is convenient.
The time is {"hour": 1, "minute": 26}
